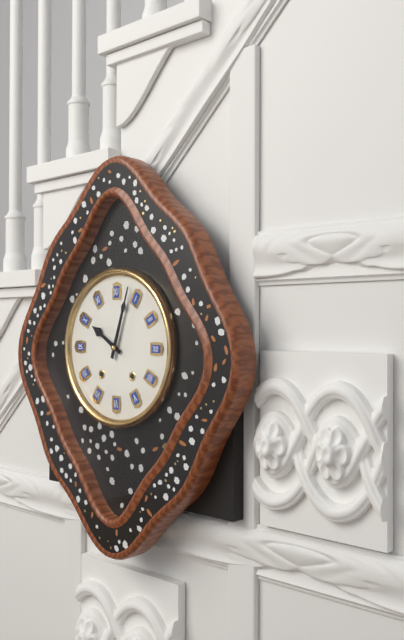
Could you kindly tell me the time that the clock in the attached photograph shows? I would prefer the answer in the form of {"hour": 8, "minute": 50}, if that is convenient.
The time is {"hour": 10, "minute": 3}
